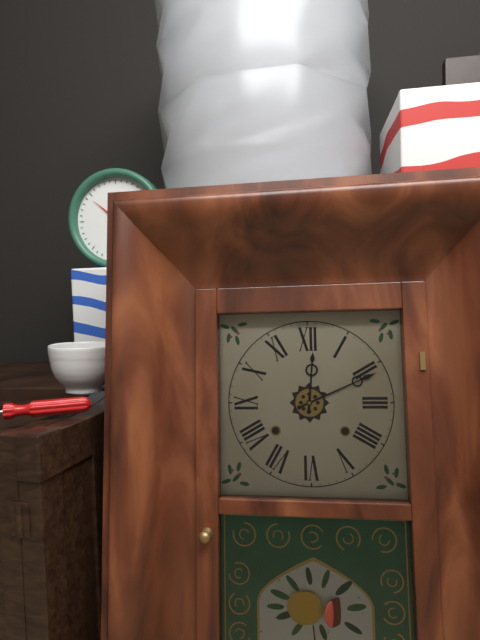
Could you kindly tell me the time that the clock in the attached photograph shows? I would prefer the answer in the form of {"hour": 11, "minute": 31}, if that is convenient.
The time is {"hour": 12, "minute": 11}
